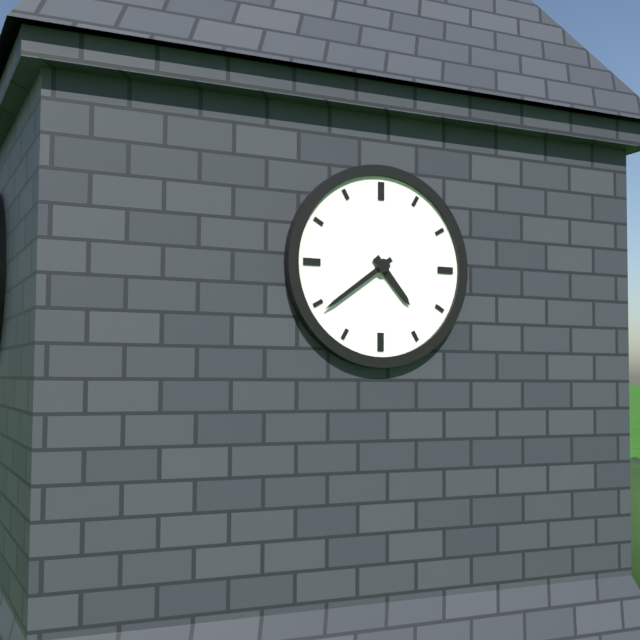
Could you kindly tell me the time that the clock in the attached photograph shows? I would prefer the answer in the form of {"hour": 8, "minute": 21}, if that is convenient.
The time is {"hour": 4, "minute": 39}
